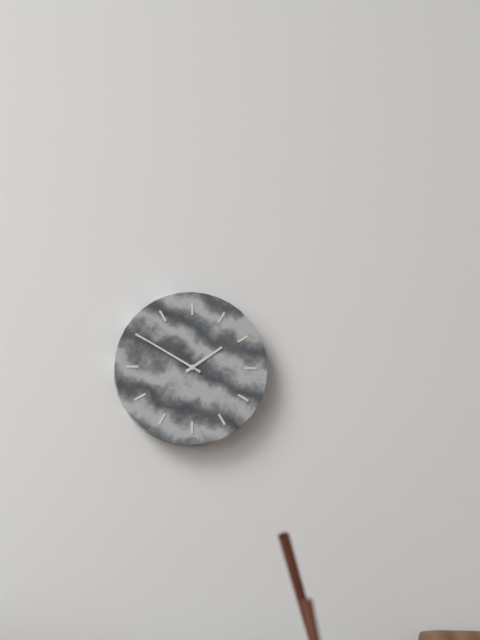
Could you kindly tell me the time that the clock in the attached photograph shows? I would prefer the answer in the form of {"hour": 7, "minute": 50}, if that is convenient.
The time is {"hour": 1, "minute": 50}
